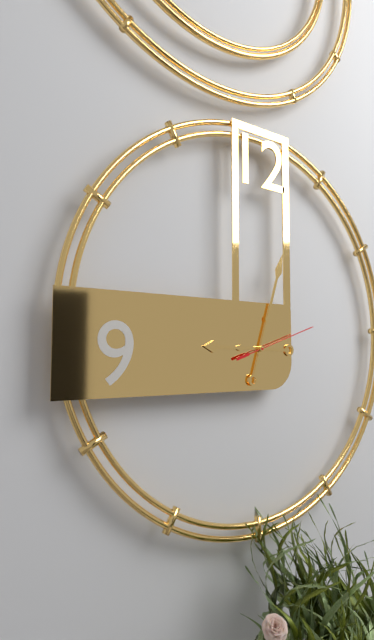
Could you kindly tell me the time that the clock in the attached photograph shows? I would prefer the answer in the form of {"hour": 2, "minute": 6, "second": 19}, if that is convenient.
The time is {"hour": 9, "minute": 3, "second": 12}
